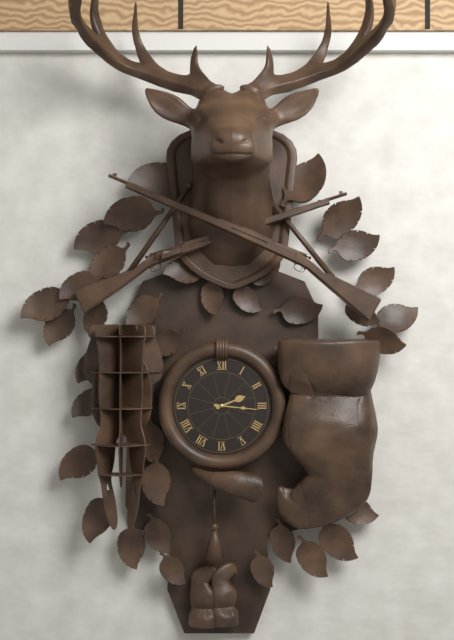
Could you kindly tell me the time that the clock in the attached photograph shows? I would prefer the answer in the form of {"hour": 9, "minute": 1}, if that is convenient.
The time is {"hour": 2, "minute": 16}
